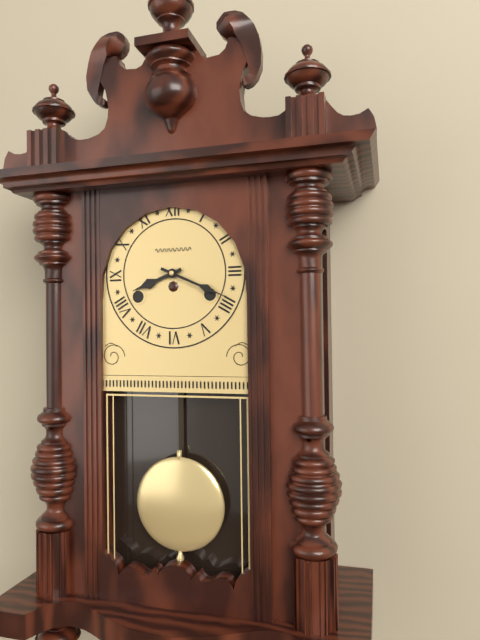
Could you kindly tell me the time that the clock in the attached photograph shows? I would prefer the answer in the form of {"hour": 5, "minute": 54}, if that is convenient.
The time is {"hour": 8, "minute": 19}
